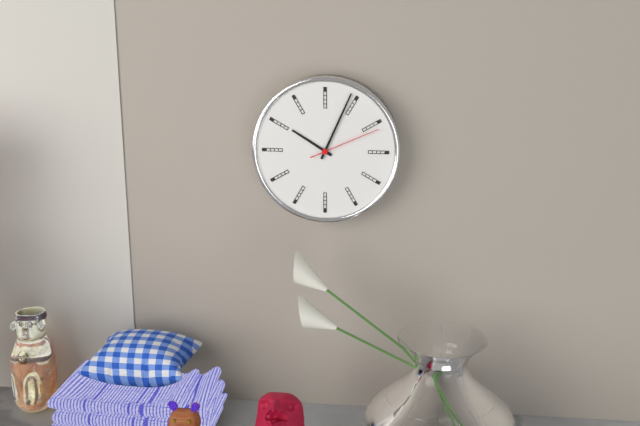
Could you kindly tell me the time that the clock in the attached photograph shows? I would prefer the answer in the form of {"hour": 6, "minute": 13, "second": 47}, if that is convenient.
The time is {"hour": 10, "minute": 4, "second": 11}
